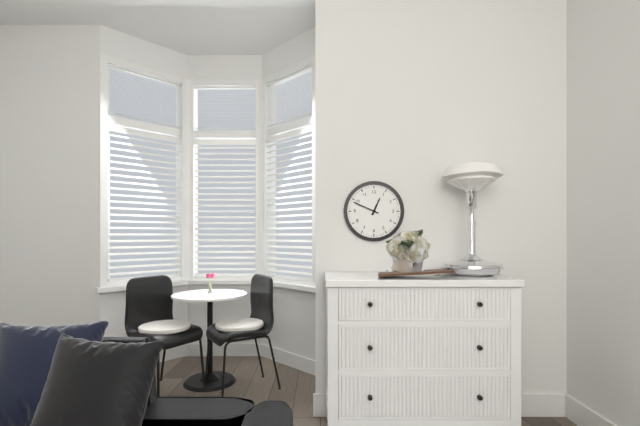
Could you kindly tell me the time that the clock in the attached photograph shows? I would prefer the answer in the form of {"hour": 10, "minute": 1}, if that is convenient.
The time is {"hour": 12, "minute": 49}
